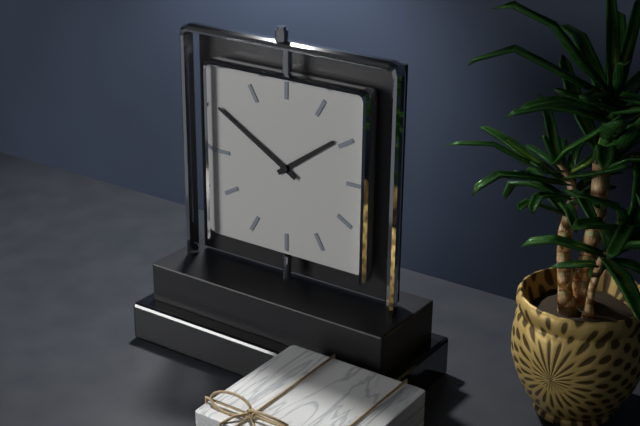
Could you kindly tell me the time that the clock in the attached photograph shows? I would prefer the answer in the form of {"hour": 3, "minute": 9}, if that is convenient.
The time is {"hour": 1, "minute": 50}
